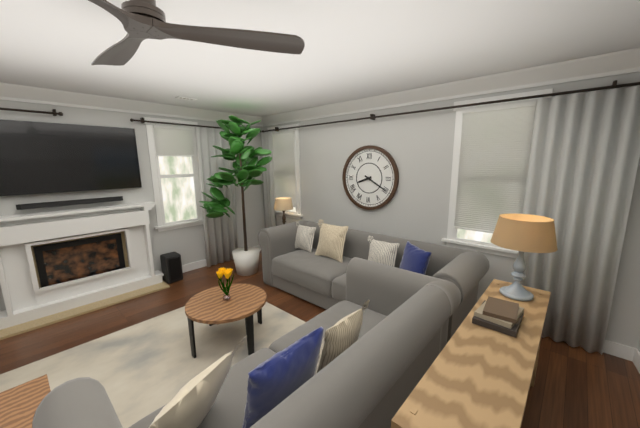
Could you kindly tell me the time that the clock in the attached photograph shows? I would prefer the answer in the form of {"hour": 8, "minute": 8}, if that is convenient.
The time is {"hour": 8, "minute": 20}
